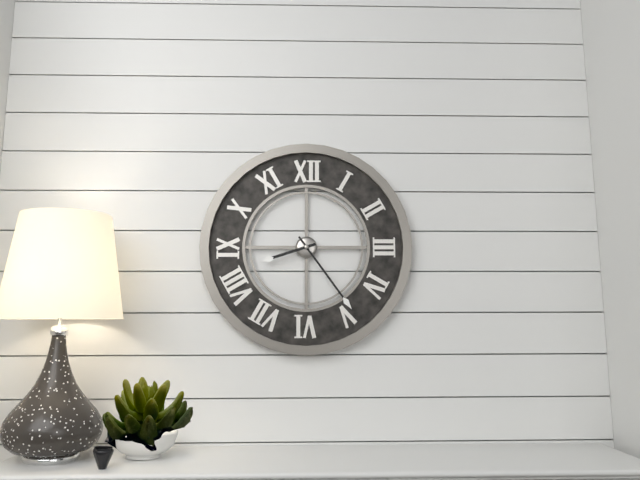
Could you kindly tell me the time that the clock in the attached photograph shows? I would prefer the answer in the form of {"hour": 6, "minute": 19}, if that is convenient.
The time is {"hour": 8, "minute": 24}
